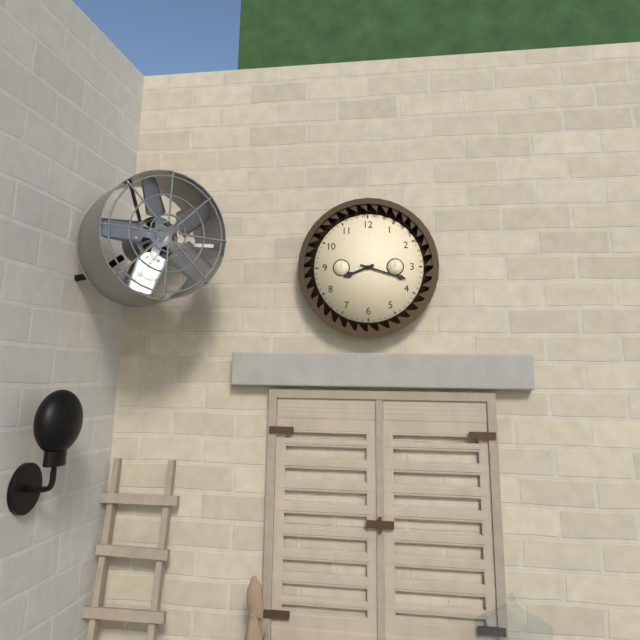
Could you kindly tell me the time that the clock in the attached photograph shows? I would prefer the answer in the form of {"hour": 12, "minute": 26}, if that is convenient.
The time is {"hour": 8, "minute": 18}
